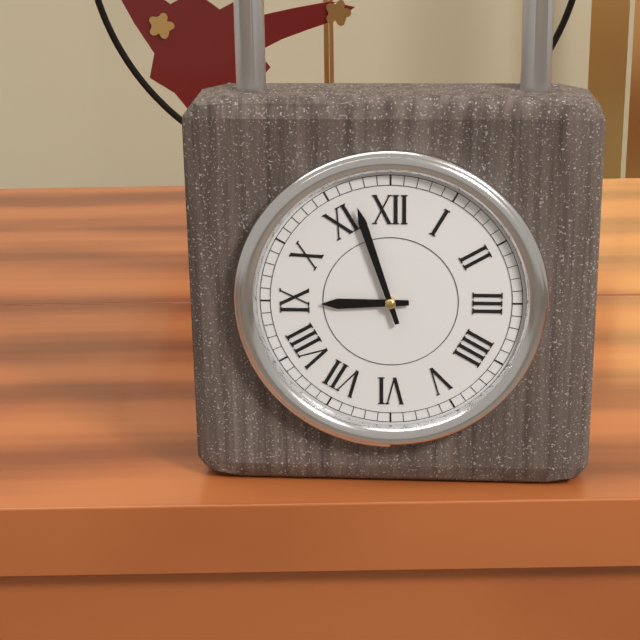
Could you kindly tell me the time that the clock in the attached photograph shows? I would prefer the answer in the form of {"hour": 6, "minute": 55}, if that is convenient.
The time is {"hour": 8, "minute": 57}
